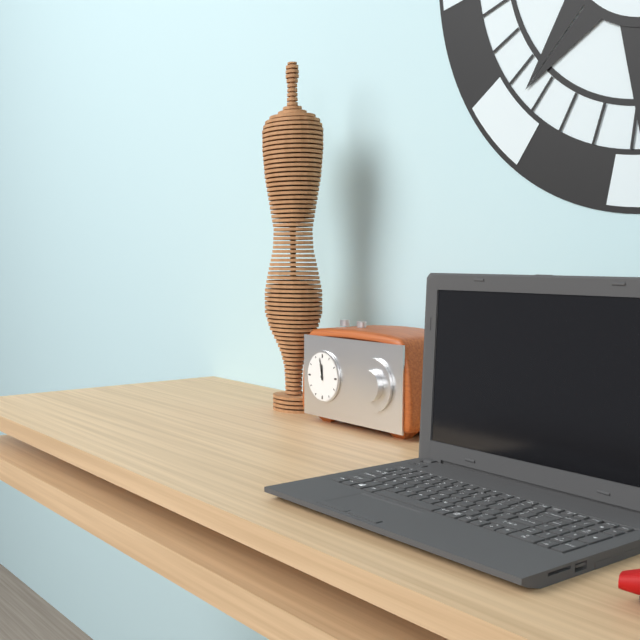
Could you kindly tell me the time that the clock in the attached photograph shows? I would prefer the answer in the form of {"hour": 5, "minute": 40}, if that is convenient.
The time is {"hour": 11, "minute": 58}
